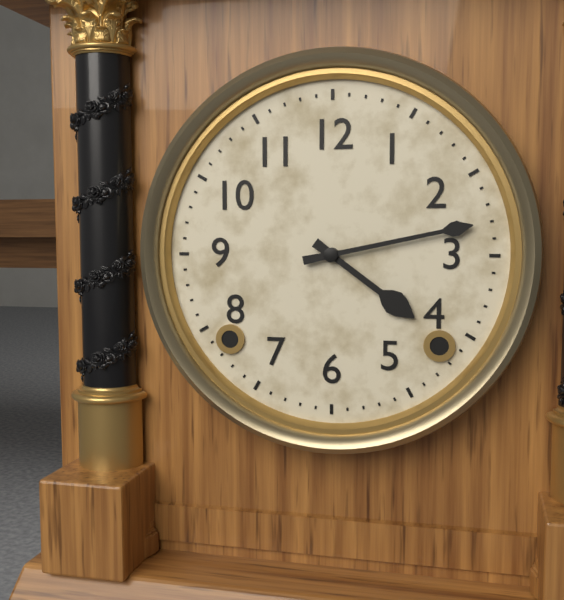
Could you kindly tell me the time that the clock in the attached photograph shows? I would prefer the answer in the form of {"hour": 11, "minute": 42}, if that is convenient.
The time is {"hour": 4, "minute": 13}
